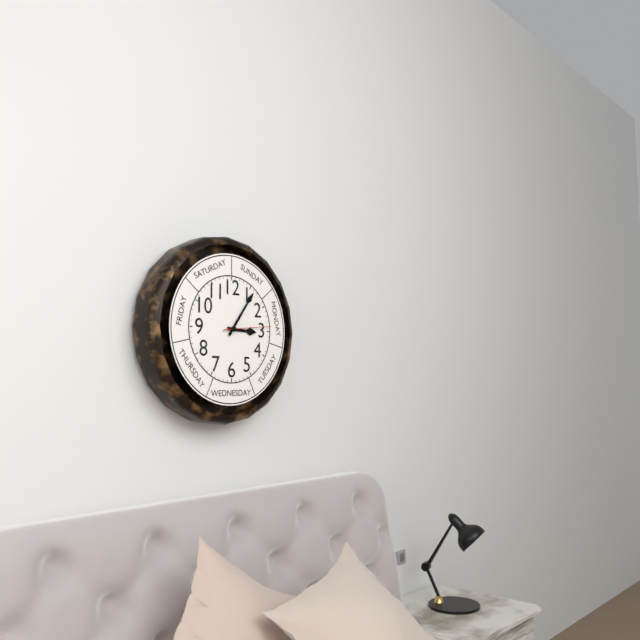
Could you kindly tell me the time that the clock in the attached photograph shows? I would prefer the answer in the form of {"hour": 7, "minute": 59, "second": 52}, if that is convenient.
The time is {"hour": 3, "minute": 6, "second": 14}
